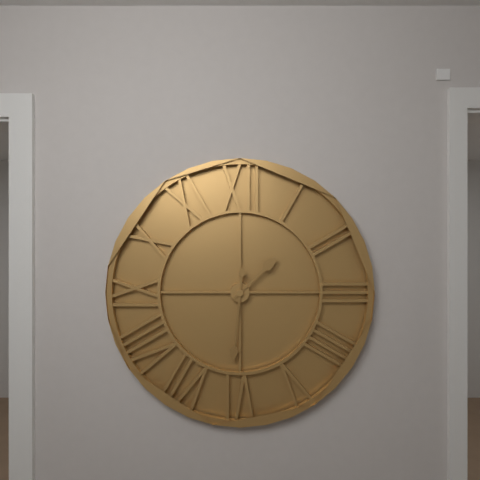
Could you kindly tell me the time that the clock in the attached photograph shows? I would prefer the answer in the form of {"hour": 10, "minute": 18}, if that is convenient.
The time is {"hour": 1, "minute": 31}
